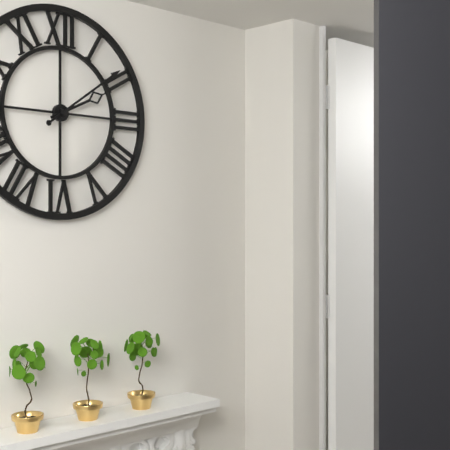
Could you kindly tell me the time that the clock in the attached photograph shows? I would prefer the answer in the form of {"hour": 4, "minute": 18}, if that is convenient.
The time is {"hour": 2, "minute": 9}
